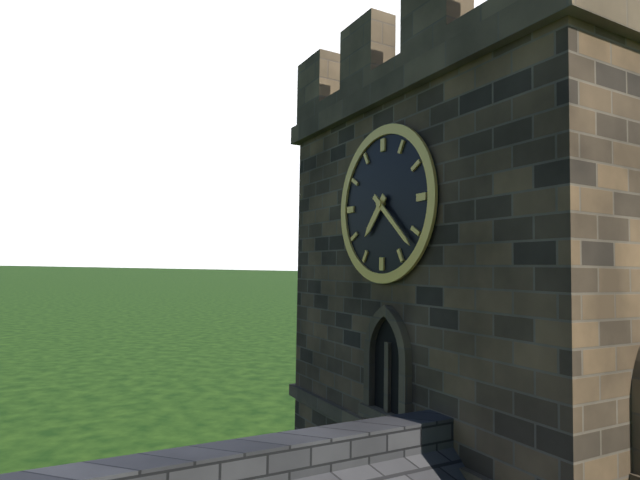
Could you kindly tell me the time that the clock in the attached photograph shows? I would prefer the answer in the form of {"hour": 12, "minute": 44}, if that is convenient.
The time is {"hour": 7, "minute": 22}
